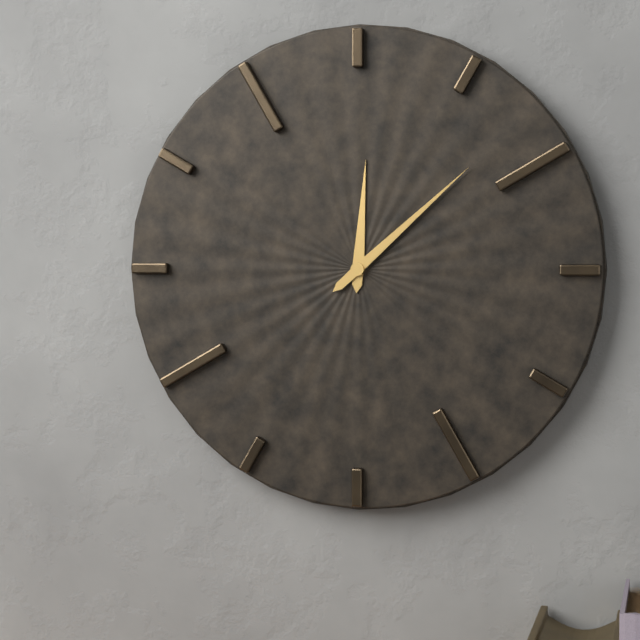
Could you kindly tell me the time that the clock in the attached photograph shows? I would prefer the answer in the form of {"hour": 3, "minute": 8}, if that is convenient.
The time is {"hour": 12, "minute": 8}
